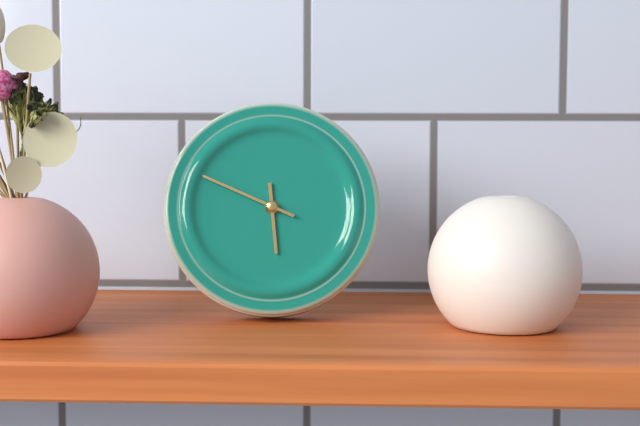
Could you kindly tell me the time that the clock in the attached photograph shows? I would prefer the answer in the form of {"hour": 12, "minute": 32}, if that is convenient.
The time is {"hour": 5, "minute": 49}
